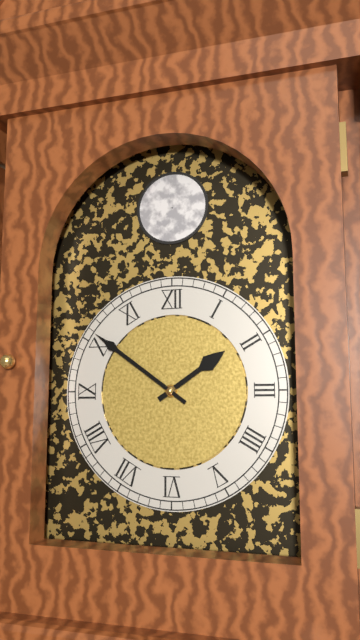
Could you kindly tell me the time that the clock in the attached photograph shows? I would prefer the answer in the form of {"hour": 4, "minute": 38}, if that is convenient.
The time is {"hour": 1, "minute": 51}
